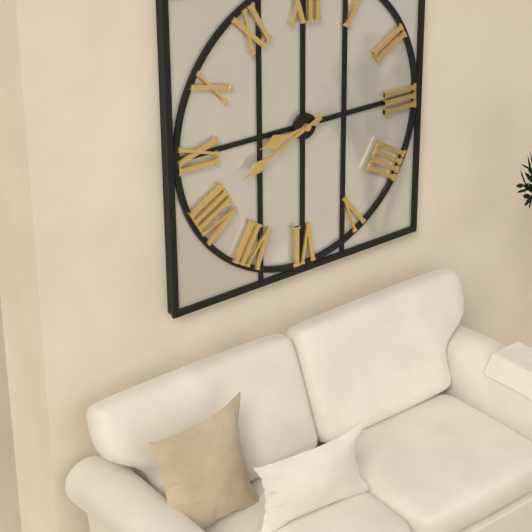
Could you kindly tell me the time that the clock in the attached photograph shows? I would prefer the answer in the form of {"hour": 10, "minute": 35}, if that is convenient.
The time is {"hour": 8, "minute": 41}
